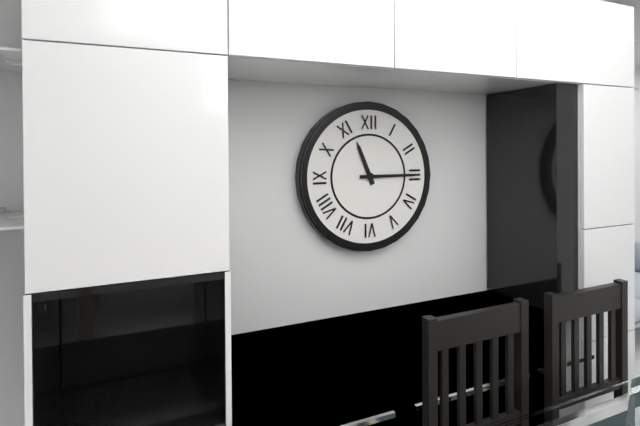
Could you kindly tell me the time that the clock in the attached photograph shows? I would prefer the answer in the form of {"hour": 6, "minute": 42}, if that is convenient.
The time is {"hour": 11, "minute": 15}
